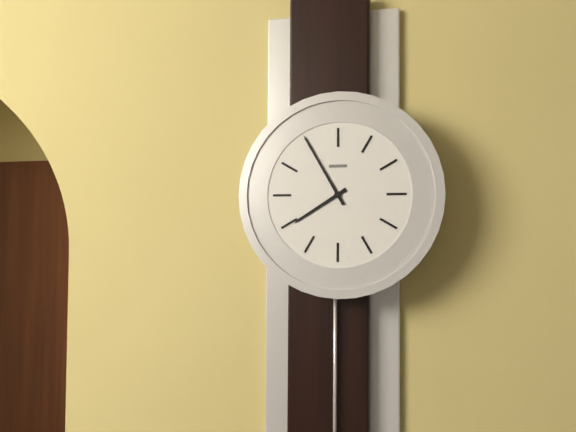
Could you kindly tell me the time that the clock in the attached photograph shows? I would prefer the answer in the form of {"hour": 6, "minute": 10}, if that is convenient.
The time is {"hour": 7, "minute": 55}
